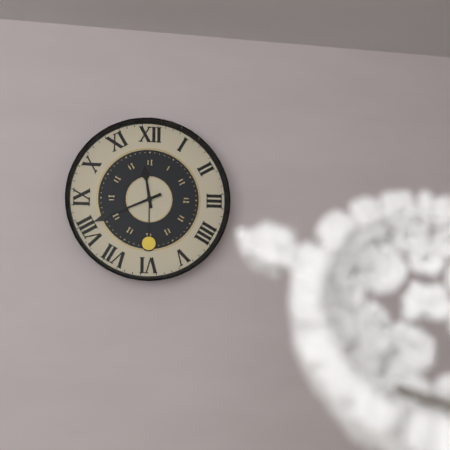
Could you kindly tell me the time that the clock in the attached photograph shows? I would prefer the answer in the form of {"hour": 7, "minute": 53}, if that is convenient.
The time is {"hour": 11, "minute": 41}
